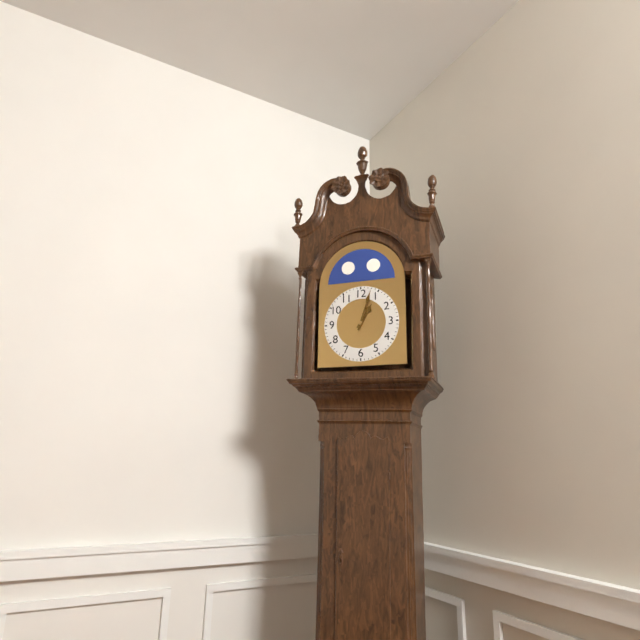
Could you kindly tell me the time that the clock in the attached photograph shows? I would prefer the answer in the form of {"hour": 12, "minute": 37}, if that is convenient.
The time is {"hour": 1, "minute": 3}
